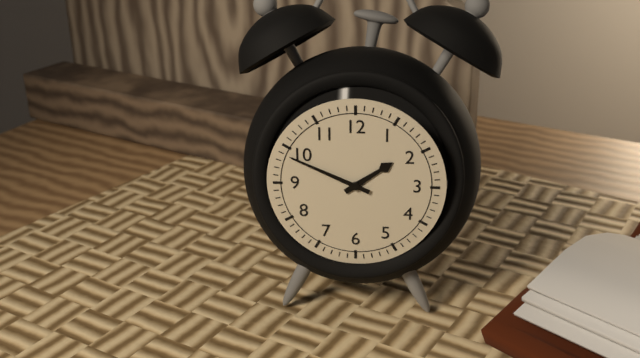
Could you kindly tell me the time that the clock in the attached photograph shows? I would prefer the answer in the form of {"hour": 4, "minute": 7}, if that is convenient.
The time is {"hour": 1, "minute": 49}
